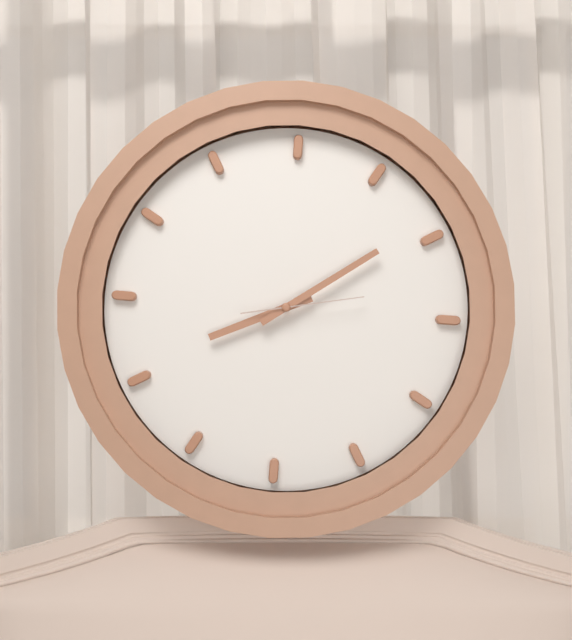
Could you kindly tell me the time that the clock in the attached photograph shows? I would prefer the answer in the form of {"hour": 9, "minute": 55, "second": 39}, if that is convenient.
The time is {"hour": 8, "minute": 9, "second": 13}
